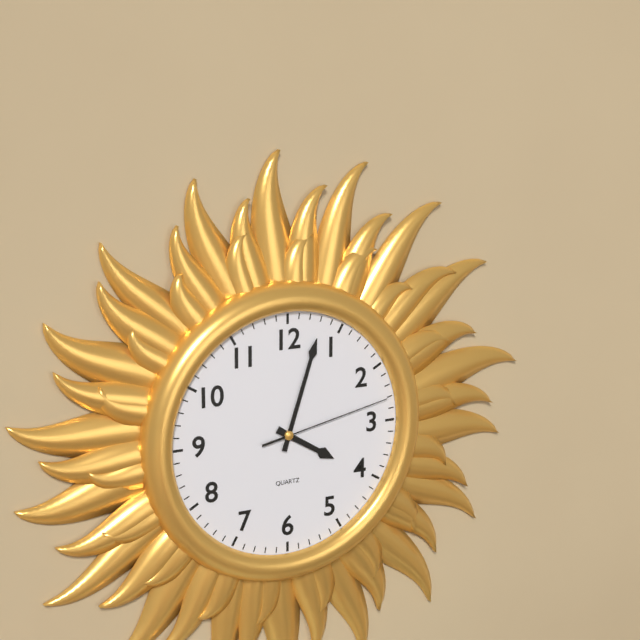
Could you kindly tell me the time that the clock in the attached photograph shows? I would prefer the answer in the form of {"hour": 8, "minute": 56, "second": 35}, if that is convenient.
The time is {"hour": 4, "minute": 3, "second": 13}
